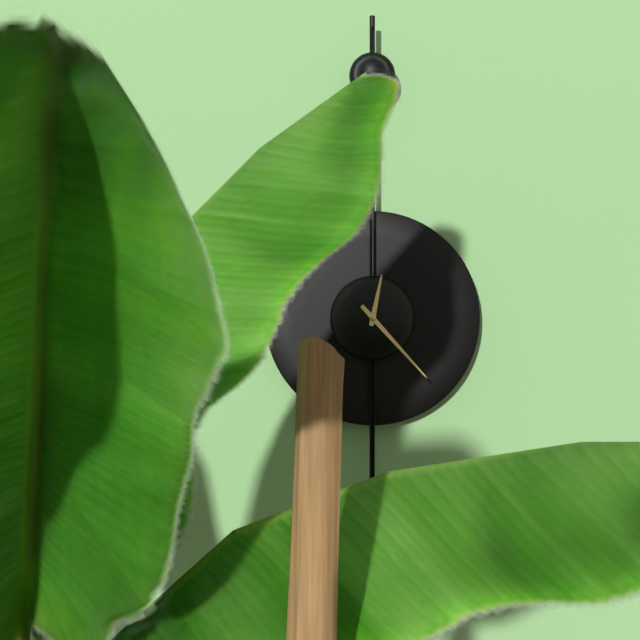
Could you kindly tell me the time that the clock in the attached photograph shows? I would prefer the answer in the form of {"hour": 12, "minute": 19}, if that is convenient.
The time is {"hour": 12, "minute": 23}
